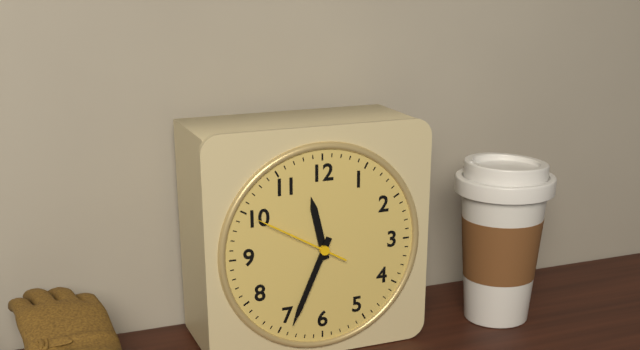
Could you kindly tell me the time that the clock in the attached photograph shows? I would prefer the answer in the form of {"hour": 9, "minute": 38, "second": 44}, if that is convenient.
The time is {"hour": 11, "minute": 34, "second": 50}
